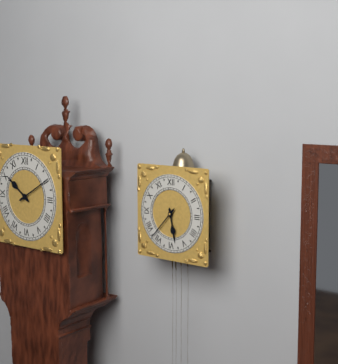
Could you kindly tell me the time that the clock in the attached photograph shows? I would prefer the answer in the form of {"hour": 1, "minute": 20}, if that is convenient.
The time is {"hour": 5, "minute": 37}
